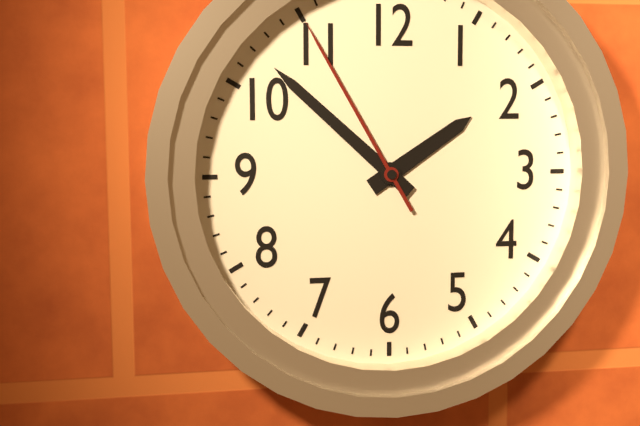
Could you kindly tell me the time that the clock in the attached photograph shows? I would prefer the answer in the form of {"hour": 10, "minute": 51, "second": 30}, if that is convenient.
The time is {"hour": 1, "minute": 52, "second": 55}
